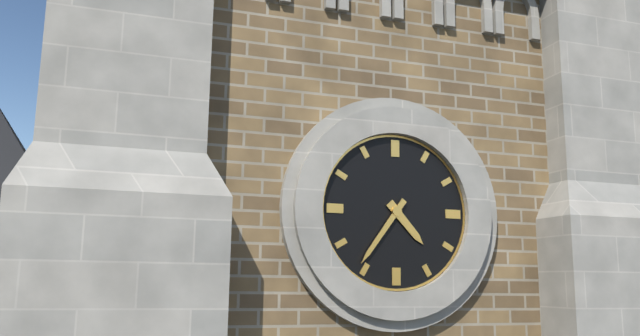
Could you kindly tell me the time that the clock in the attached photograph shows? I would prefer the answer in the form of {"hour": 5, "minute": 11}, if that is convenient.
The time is {"hour": 4, "minute": 36}
